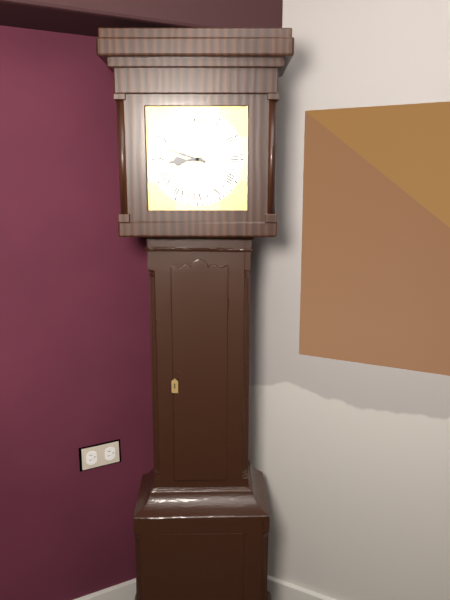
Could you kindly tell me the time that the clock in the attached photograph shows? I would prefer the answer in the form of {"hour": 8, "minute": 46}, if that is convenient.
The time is {"hour": 8, "minute": 48}
